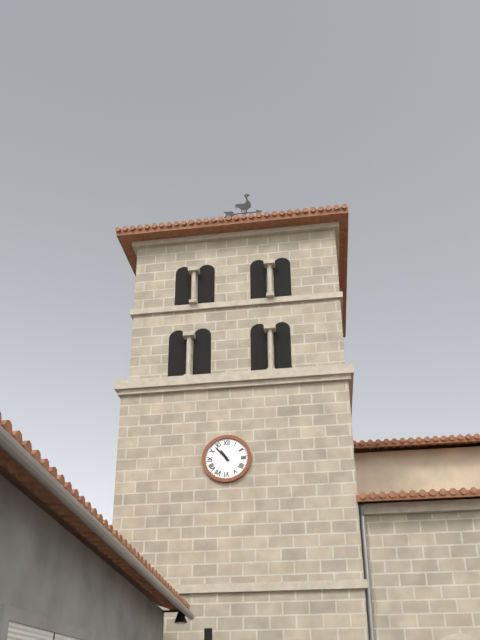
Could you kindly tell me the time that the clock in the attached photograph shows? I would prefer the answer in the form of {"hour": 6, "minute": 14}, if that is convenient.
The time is {"hour": 10, "minute": 53}
